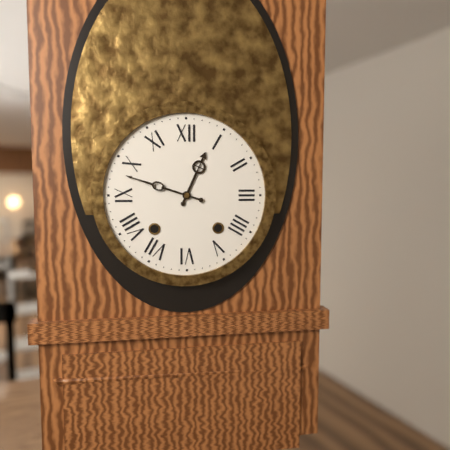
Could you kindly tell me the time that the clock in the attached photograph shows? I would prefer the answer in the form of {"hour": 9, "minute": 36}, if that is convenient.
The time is {"hour": 12, "minute": 48}
